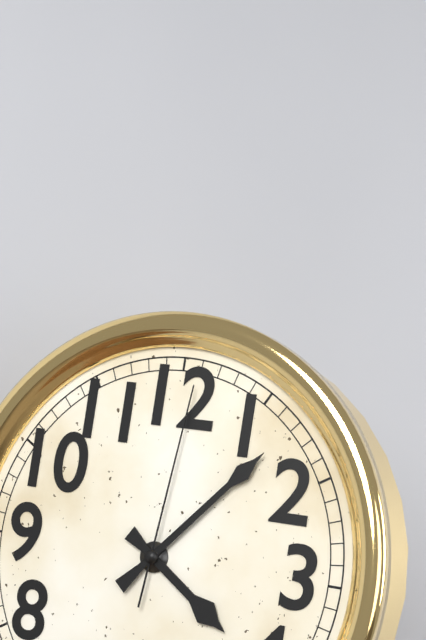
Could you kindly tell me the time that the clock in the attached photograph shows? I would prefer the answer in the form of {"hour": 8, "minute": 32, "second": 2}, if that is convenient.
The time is {"hour": 4, "minute": 7, "second": 1}
